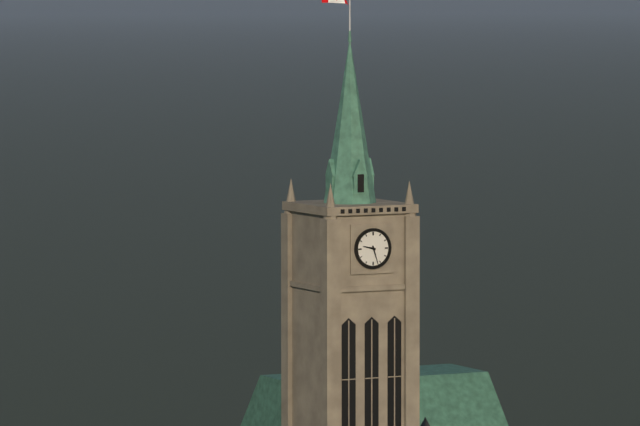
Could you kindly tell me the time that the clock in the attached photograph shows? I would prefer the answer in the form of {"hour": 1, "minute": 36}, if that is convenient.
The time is {"hour": 9, "minute": 27}
